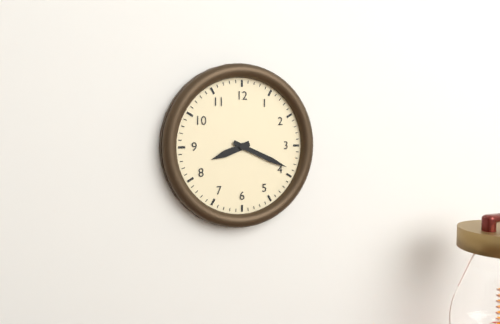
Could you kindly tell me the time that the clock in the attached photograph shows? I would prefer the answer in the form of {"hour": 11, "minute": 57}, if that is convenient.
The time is {"hour": 8, "minute": 19}
